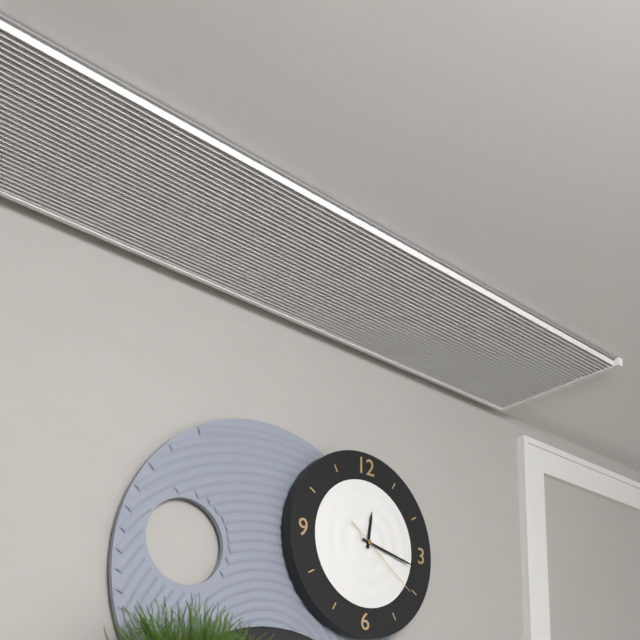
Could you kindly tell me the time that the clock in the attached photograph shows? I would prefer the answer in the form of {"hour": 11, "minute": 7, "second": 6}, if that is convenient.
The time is {"hour": 12, "minute": 17, "second": 21}
